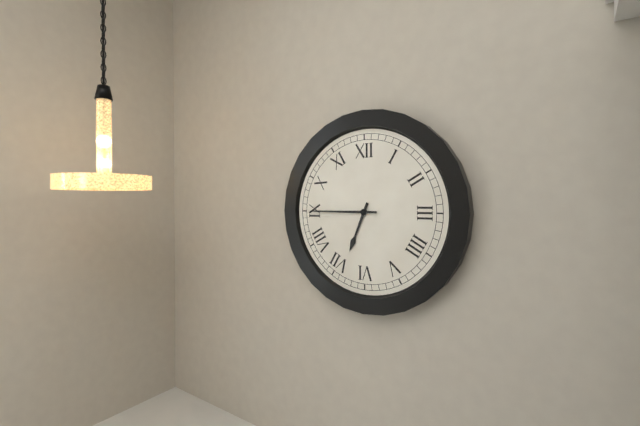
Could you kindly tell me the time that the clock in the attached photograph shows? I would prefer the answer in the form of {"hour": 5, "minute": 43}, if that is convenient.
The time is {"hour": 6, "minute": 45}
